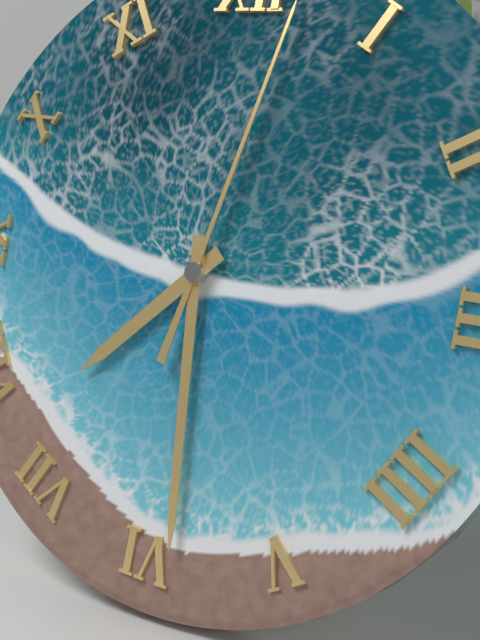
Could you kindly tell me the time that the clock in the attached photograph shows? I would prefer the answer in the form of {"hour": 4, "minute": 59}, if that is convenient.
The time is {"hour": 7, "minute": 29}
